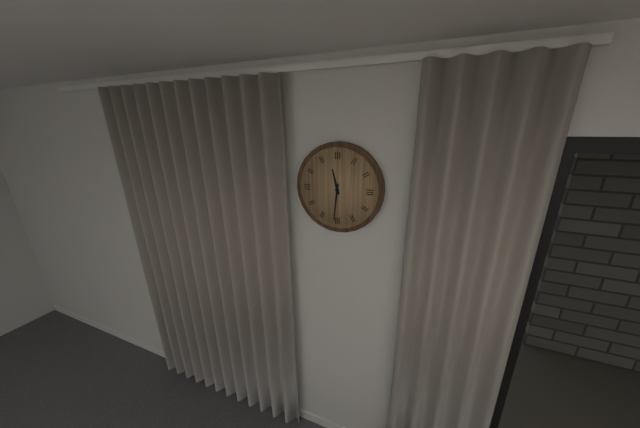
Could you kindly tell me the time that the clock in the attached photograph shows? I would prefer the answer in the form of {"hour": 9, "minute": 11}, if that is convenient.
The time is {"hour": 11, "minute": 31}
